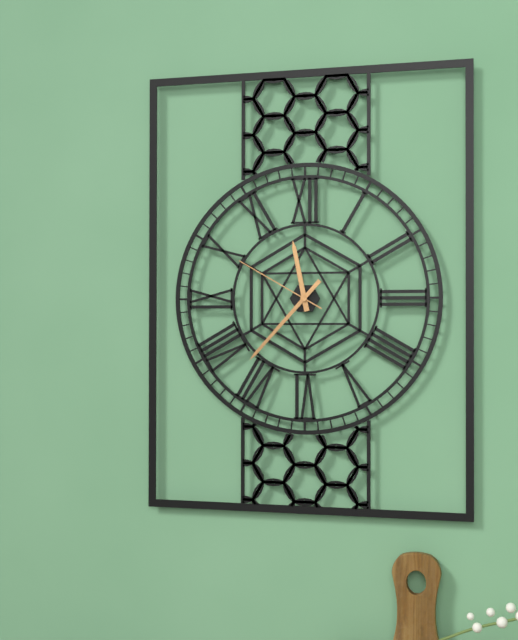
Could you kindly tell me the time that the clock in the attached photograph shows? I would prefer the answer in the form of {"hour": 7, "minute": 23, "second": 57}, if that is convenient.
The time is {"hour": 11, "minute": 37, "second": 50}
